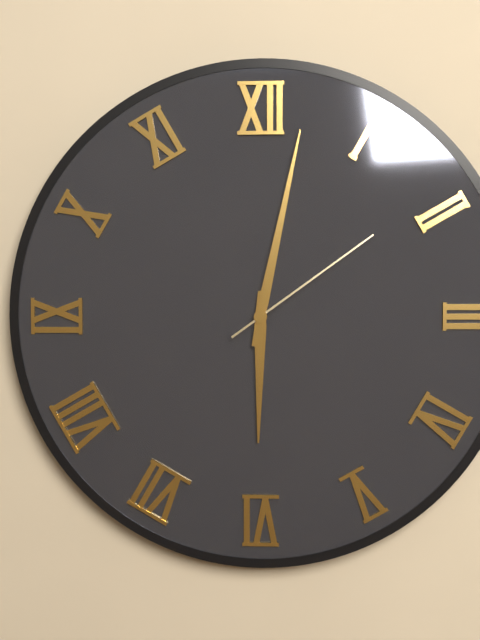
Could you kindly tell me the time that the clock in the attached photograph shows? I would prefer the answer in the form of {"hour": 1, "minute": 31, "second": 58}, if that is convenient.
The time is {"hour": 6, "minute": 2, "second": 9}
